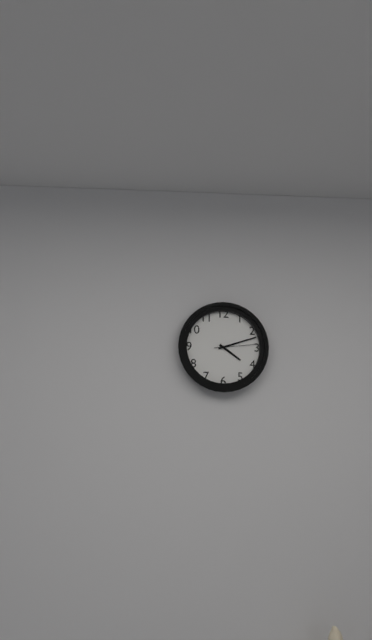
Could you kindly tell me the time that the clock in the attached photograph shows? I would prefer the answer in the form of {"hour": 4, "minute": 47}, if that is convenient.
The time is {"hour": 4, "minute": 12}
